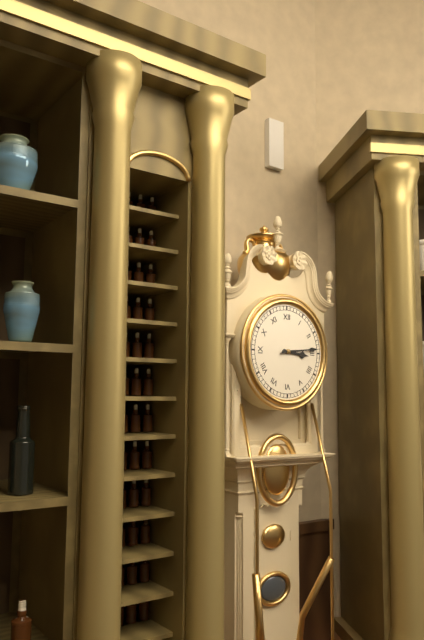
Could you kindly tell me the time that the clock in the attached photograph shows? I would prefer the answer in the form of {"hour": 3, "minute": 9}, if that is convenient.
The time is {"hour": 3, "minute": 14}
